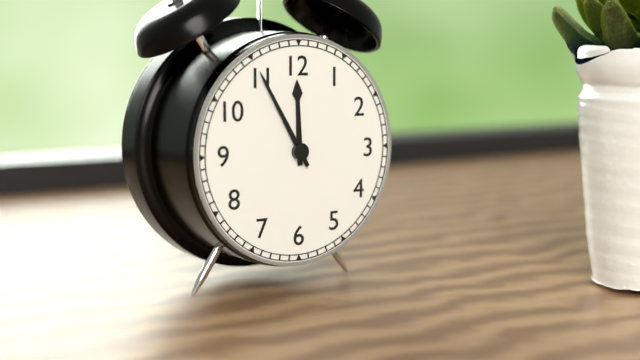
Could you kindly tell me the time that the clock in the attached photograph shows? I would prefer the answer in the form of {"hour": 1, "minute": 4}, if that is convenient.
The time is {"hour": 11, "minute": 55}
